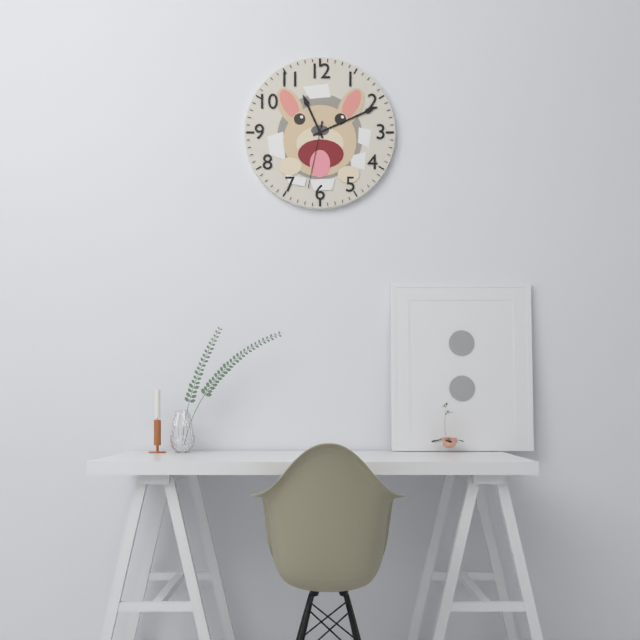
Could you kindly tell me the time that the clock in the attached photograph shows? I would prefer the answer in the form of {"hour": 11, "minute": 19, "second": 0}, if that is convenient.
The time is {"hour": 11, "minute": 11, "second": 32}
